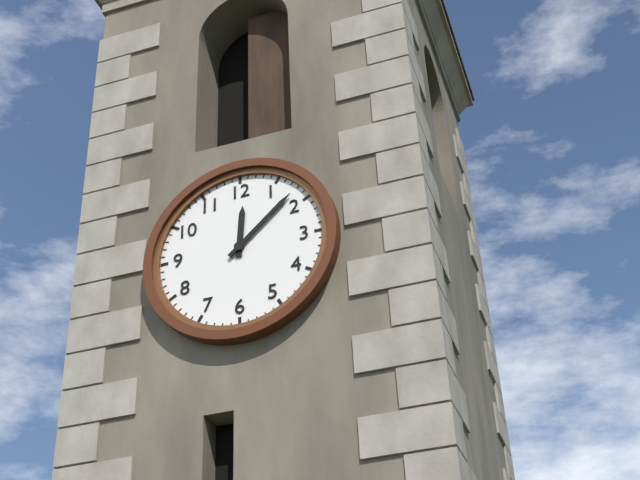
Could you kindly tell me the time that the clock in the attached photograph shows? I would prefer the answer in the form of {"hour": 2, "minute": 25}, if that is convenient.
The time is {"hour": 12, "minute": 8}
